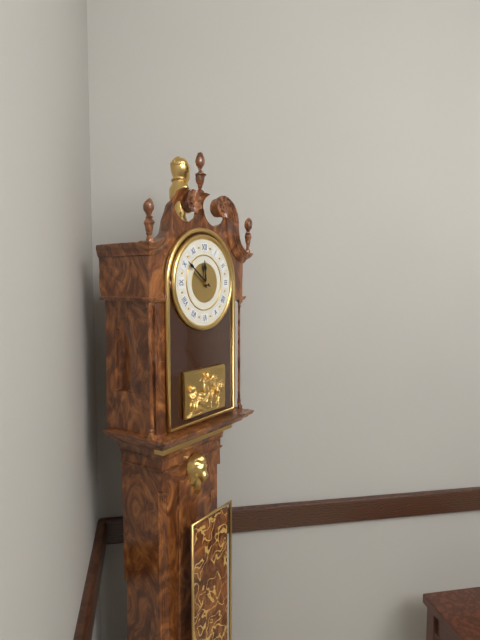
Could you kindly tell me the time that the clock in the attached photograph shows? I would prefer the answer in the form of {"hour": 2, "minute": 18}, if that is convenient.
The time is {"hour": 11, "minute": 51}
